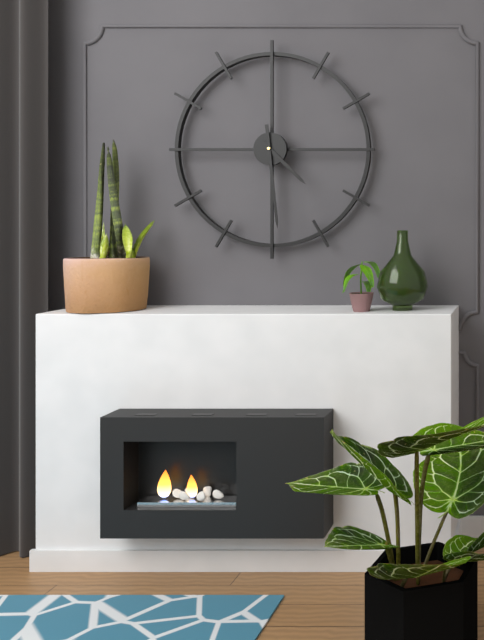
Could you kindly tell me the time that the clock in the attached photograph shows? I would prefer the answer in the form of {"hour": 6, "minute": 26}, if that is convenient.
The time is {"hour": 4, "minute": 29}
